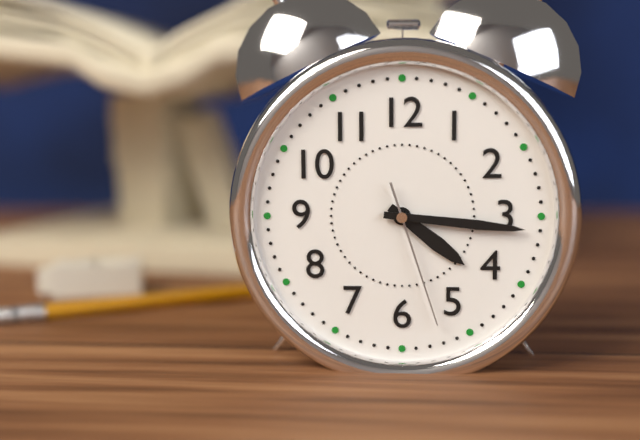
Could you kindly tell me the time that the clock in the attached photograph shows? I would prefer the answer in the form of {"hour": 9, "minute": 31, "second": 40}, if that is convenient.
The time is {"hour": 4, "minute": 16, "second": 27}
